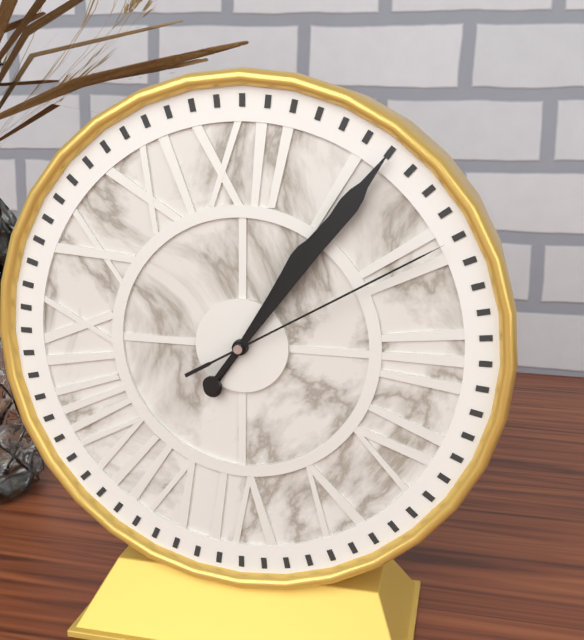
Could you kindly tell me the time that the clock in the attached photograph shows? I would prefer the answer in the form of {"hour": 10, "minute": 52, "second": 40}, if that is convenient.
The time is {"hour": 1, "minute": 6, "second": 10}
